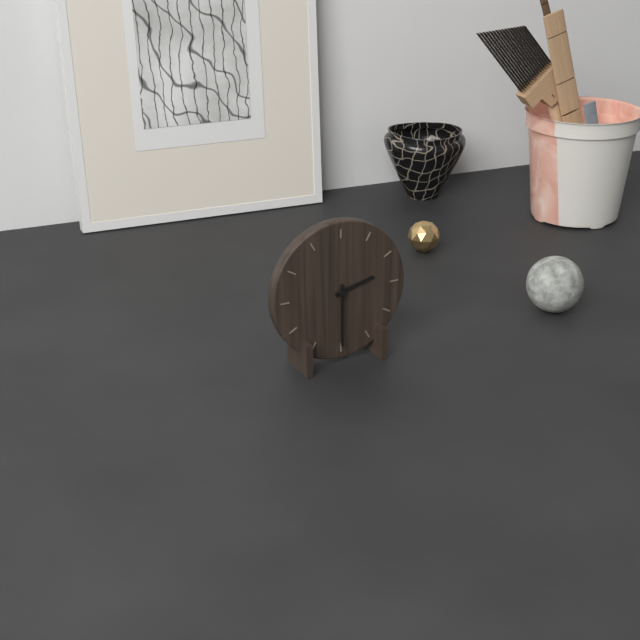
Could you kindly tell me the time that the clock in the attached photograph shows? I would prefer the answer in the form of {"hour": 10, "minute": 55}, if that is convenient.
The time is {"hour": 2, "minute": 30}
